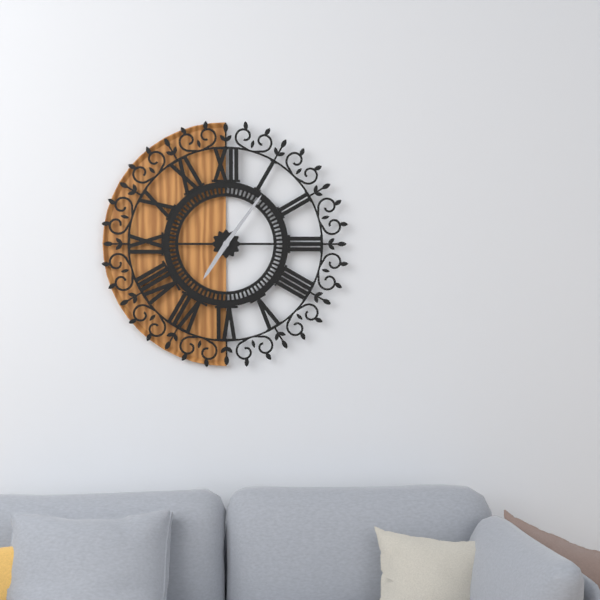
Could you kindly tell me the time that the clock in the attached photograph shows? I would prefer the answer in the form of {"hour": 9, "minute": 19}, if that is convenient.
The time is {"hour": 7, "minute": 6}
